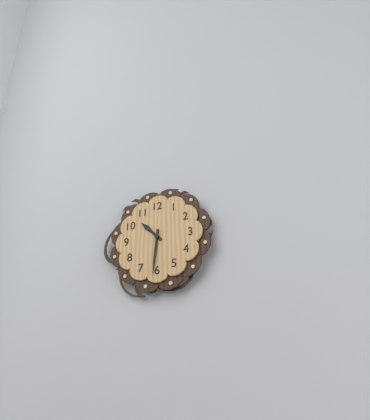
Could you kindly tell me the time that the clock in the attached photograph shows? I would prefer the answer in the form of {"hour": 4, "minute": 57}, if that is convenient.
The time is {"hour": 10, "minute": 31}
